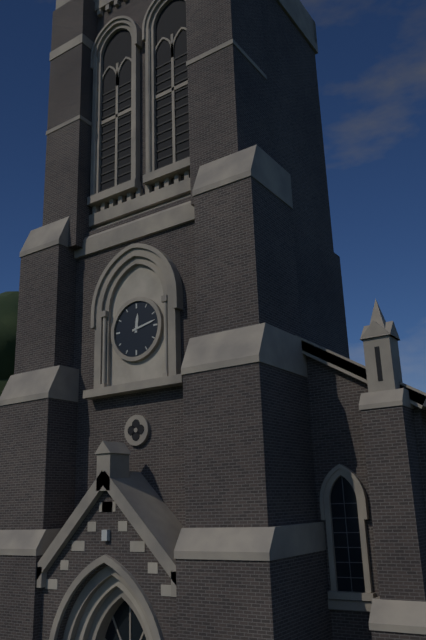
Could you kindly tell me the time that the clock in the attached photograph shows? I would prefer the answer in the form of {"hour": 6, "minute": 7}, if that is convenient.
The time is {"hour": 12, "minute": 13}
